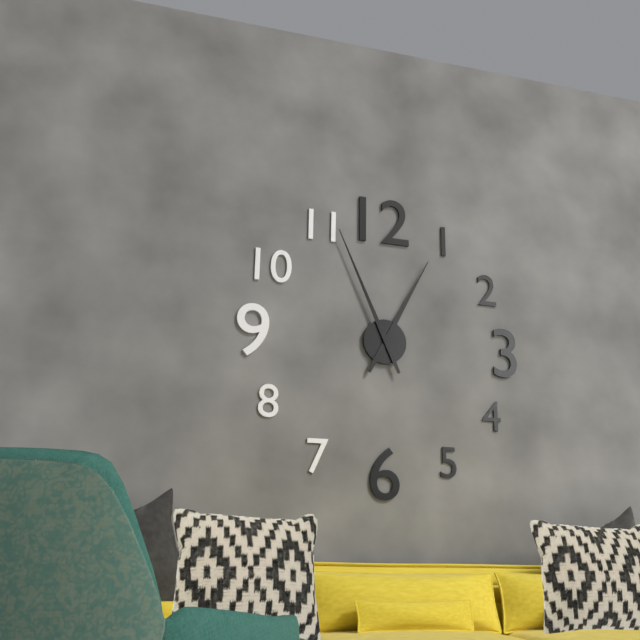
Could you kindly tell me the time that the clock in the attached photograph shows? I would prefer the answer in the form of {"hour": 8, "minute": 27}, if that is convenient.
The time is {"hour": 12, "minute": 56}
